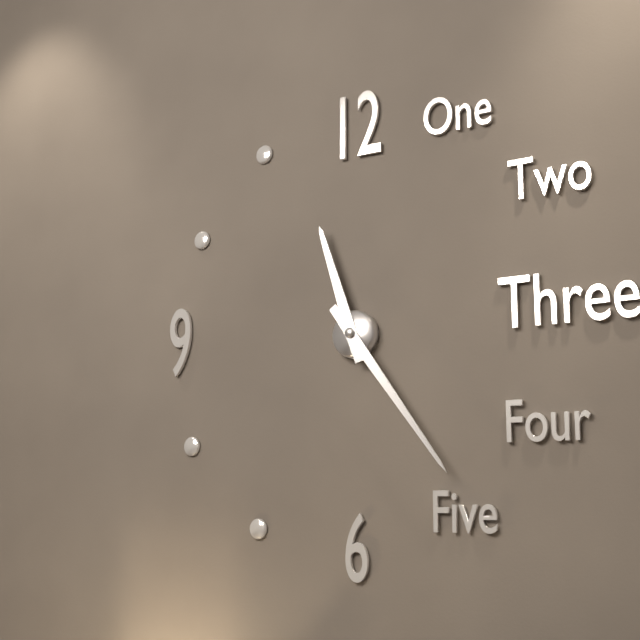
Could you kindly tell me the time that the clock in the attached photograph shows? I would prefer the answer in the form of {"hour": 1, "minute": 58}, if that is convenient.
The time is {"hour": 11, "minute": 24}
